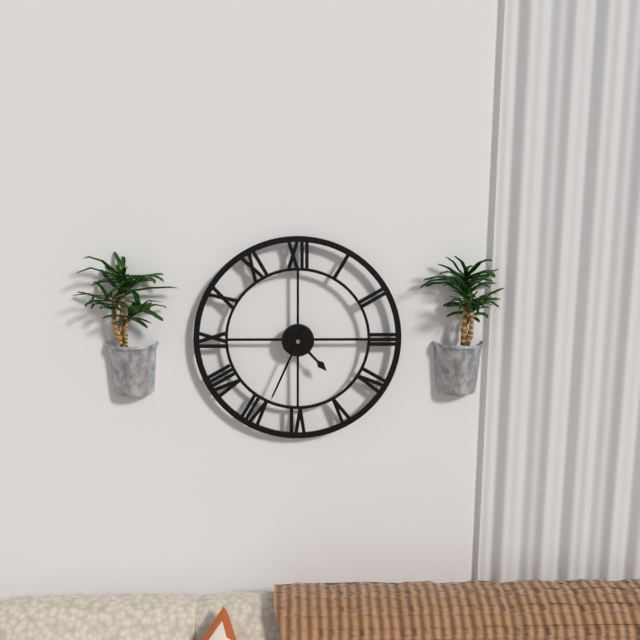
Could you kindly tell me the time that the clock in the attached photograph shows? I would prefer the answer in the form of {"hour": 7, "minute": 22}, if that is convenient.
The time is {"hour": 4, "minute": 34}
